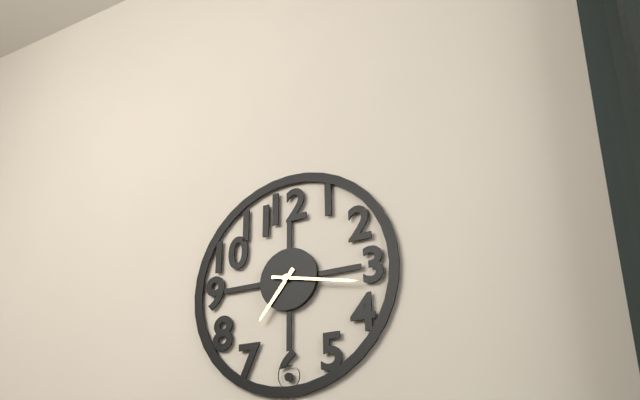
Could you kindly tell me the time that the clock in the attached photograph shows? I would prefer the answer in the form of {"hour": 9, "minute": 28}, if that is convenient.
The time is {"hour": 7, "minute": 17}
